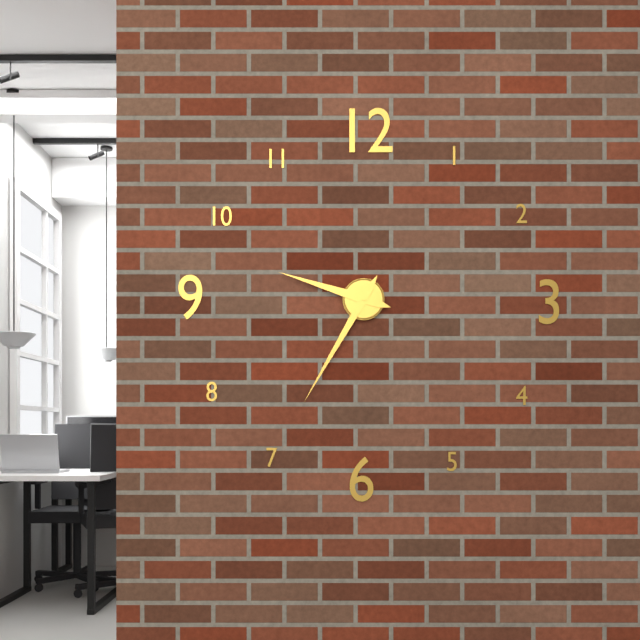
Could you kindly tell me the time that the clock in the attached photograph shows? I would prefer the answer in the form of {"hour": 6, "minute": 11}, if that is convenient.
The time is {"hour": 9, "minute": 35}
